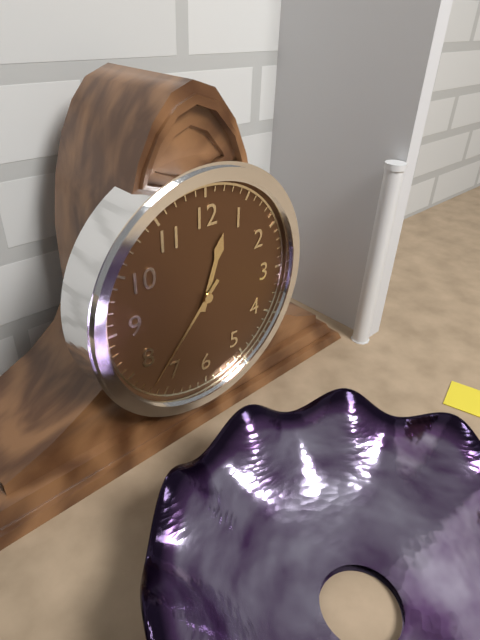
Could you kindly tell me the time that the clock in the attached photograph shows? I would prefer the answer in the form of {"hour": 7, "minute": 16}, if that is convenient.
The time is {"hour": 12, "minute": 37}
